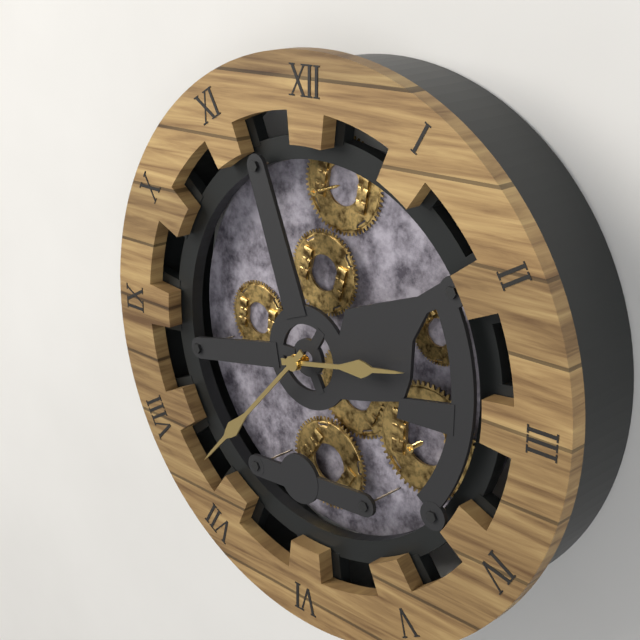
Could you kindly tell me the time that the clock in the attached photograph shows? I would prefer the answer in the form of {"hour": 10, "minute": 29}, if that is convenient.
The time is {"hour": 2, "minute": 37}
